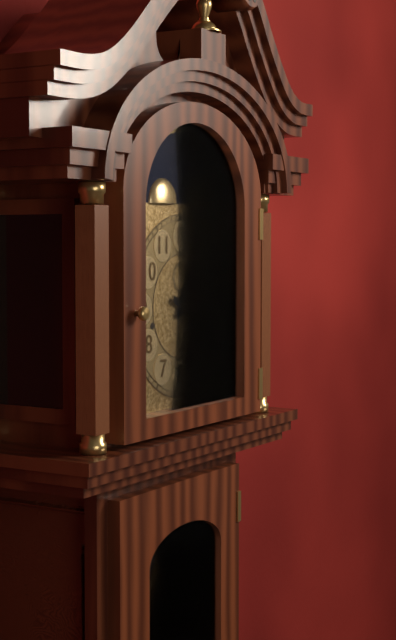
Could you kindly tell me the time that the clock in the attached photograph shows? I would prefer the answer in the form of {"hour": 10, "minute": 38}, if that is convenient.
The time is {"hour": 1, "minute": 19}
